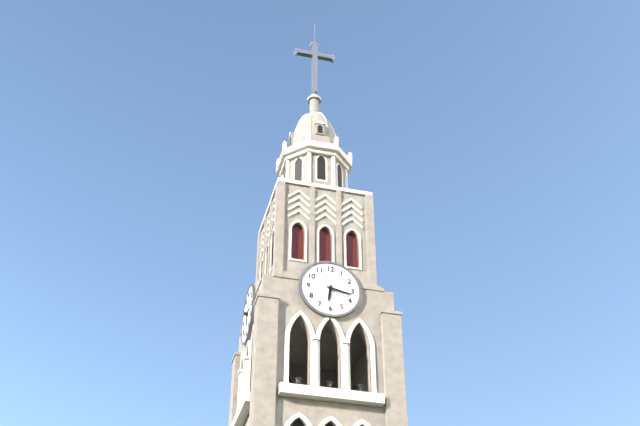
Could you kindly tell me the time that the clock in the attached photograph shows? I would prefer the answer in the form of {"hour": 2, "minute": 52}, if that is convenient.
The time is {"hour": 6, "minute": 17}
